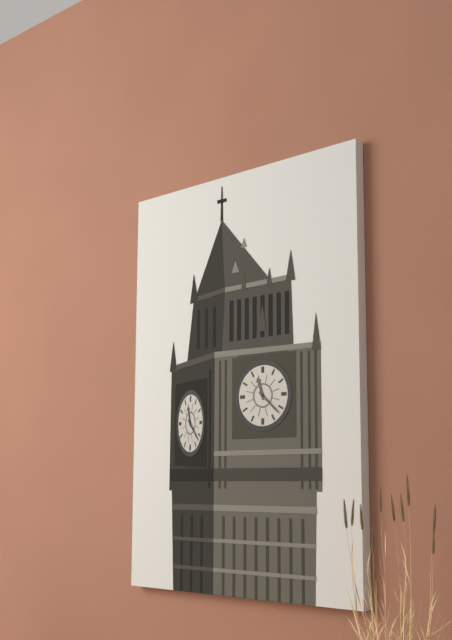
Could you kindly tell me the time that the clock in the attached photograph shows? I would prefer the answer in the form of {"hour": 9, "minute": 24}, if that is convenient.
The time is {"hour": 11, "minute": 22}
